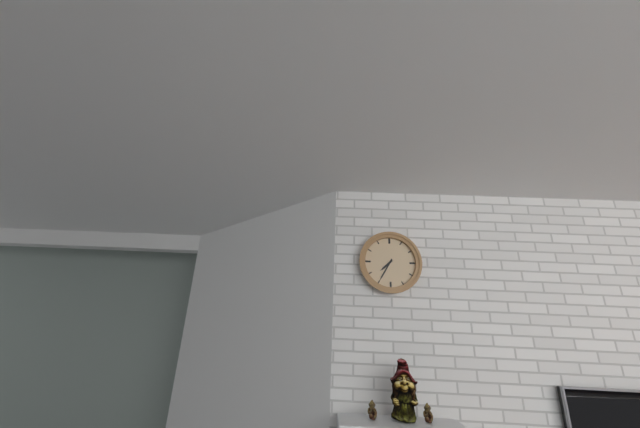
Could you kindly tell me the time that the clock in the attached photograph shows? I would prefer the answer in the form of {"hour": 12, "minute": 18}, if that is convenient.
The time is {"hour": 7, "minute": 35}
